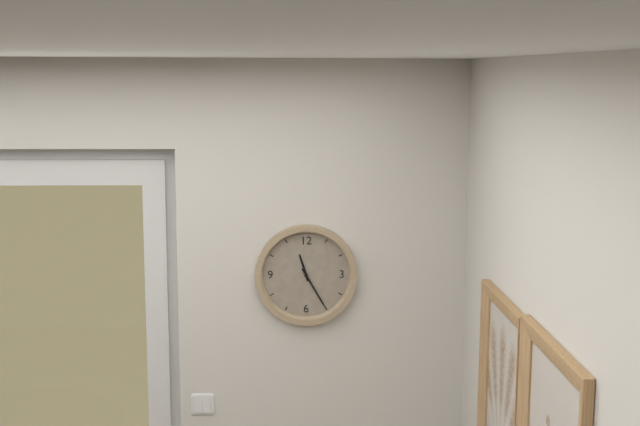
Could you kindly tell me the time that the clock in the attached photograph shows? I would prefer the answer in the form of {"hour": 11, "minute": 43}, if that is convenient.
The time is {"hour": 11, "minute": 25}
